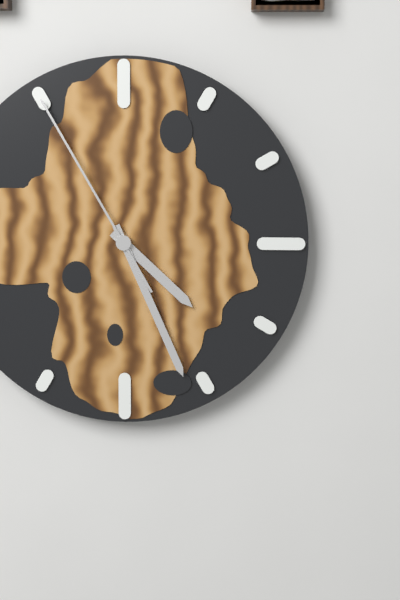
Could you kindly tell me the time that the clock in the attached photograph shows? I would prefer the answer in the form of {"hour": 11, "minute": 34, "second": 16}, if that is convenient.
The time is {"hour": 4, "minute": 26, "second": 55}
